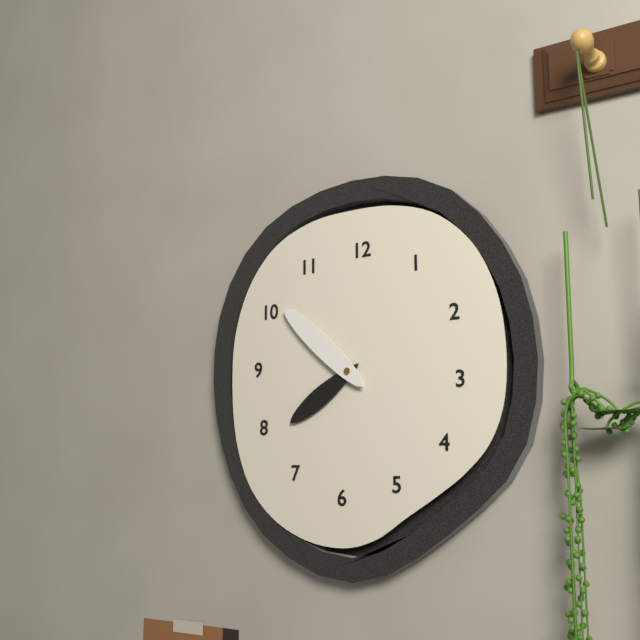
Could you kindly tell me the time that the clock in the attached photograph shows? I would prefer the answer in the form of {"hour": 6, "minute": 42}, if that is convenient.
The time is {"hour": 7, "minute": 52}
